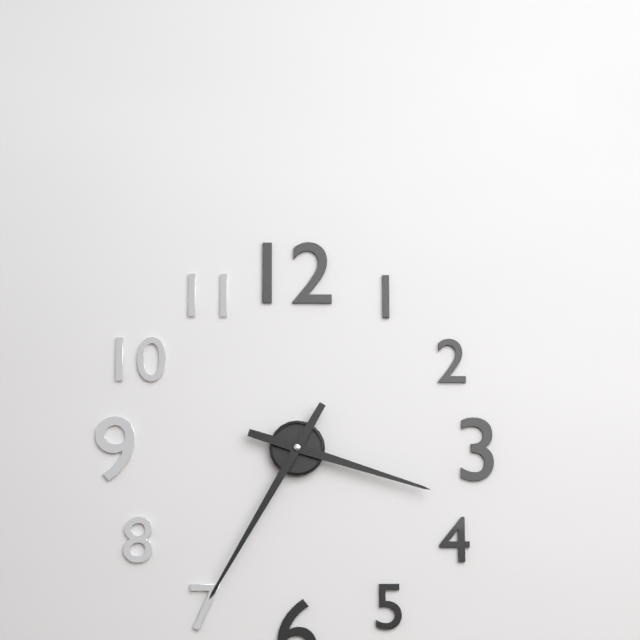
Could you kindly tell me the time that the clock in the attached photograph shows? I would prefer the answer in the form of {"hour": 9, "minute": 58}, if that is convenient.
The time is {"hour": 3, "minute": 35}
